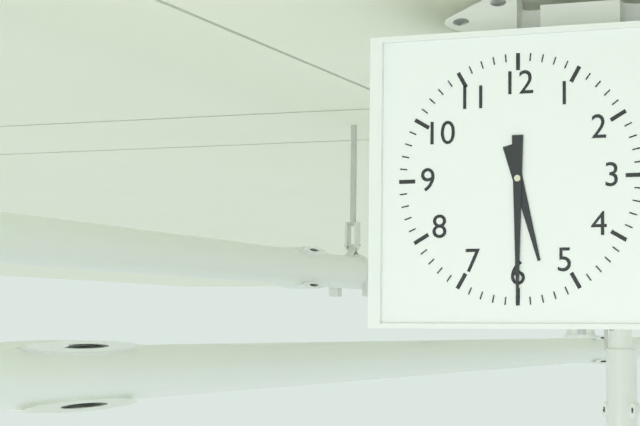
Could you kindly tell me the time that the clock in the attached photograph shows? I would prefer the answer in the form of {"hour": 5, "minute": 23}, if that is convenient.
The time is {"hour": 5, "minute": 30}
